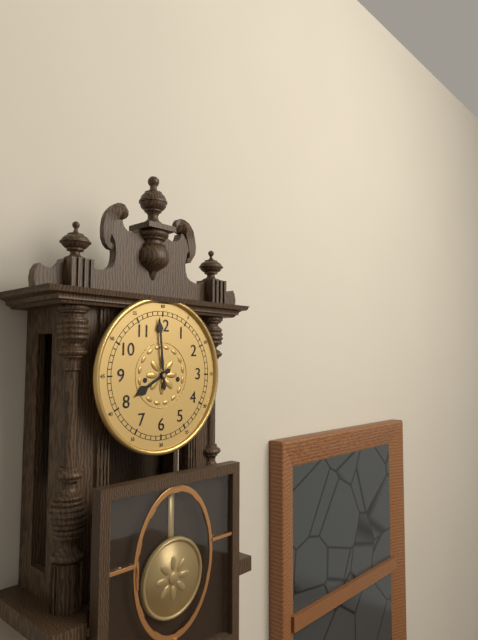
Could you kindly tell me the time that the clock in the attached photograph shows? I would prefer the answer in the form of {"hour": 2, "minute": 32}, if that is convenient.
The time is {"hour": 7, "minute": 59}
